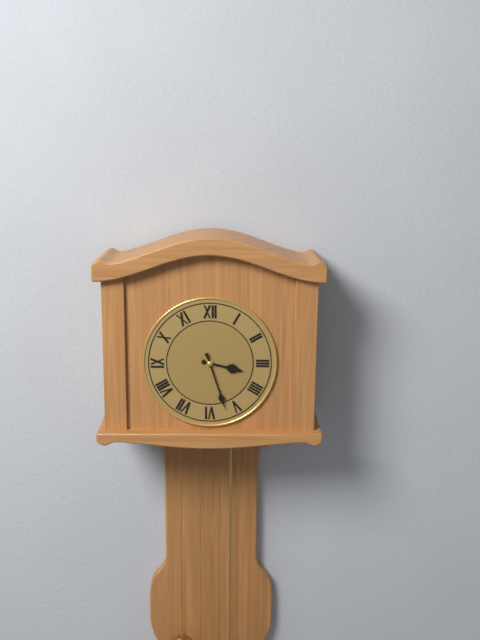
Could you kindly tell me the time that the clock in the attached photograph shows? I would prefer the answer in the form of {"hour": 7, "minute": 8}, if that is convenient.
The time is {"hour": 3, "minute": 27}
